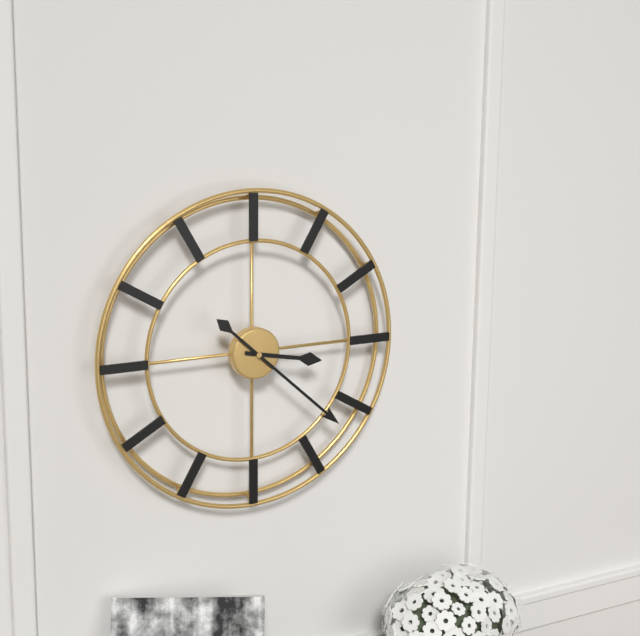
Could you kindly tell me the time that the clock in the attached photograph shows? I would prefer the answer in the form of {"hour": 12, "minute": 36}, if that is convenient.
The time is {"hour": 3, "minute": 22}
